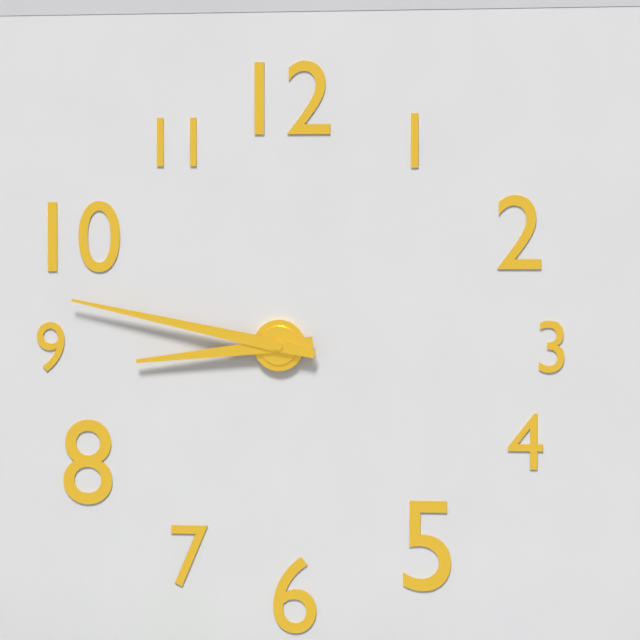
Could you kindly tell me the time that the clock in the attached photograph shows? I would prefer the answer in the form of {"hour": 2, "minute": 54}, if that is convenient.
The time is {"hour": 8, "minute": 47}
